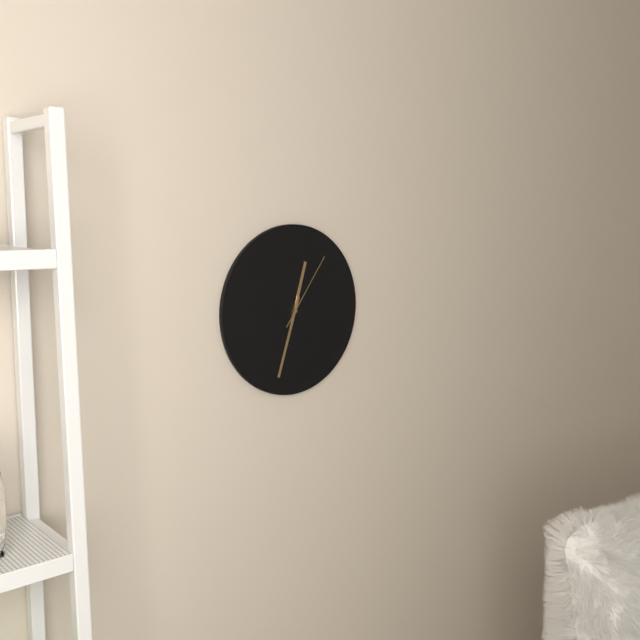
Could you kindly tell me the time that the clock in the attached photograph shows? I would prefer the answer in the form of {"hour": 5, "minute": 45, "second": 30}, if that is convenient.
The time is {"hour": 12, "minute": 33, "second": 6}
